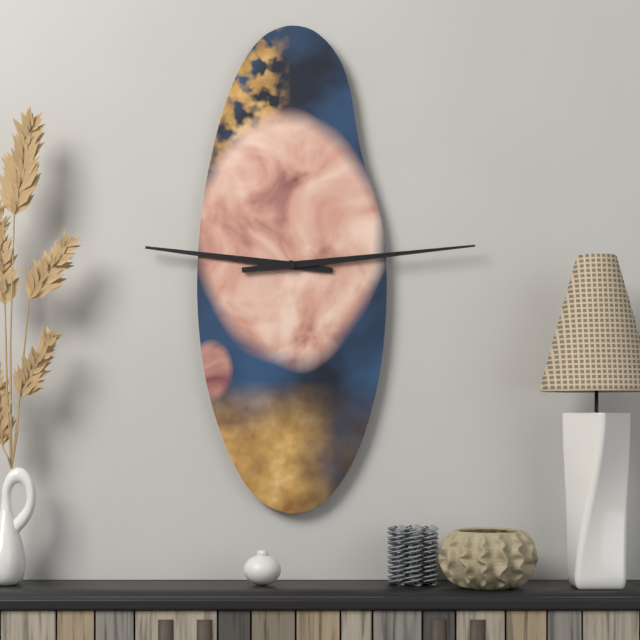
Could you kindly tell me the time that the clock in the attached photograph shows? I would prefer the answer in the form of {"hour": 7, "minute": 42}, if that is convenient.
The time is {"hour": 9, "minute": 14}
